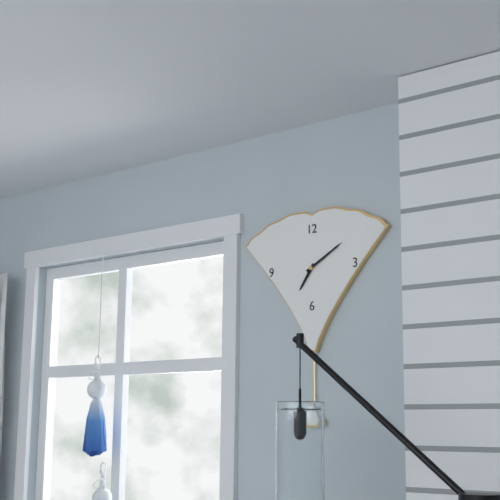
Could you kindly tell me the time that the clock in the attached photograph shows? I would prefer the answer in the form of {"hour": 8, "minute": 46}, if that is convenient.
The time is {"hour": 7, "minute": 10}
